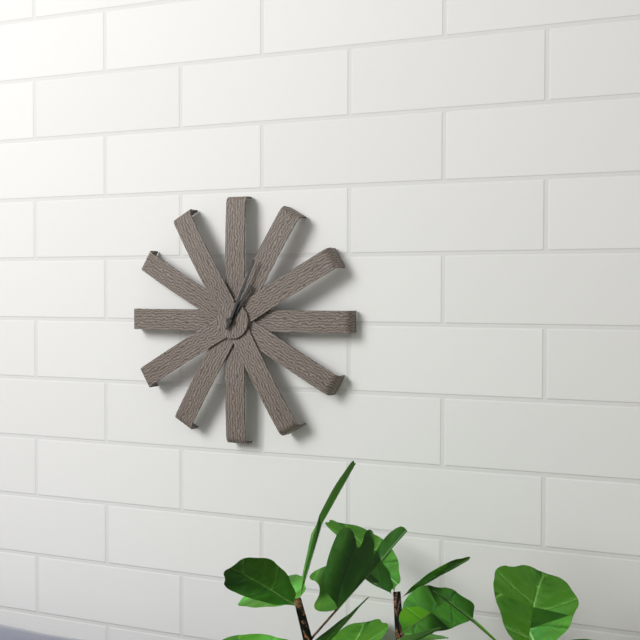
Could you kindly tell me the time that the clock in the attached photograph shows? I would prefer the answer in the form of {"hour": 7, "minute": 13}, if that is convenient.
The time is {"hour": 1, "minute": 4}
